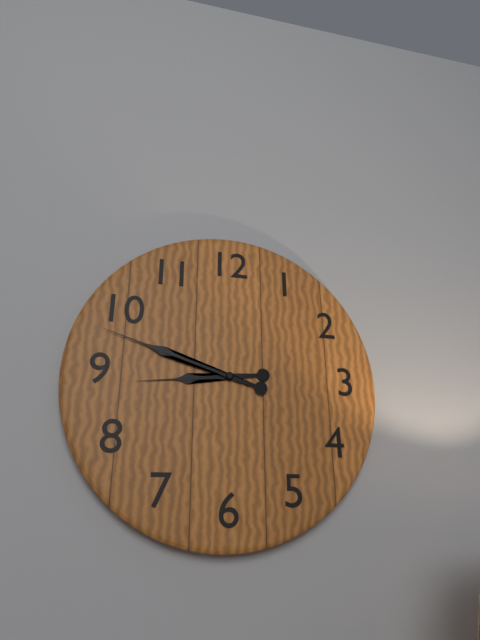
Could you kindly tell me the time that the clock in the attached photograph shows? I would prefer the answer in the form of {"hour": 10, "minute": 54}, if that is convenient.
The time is {"hour": 8, "minute": 48}
